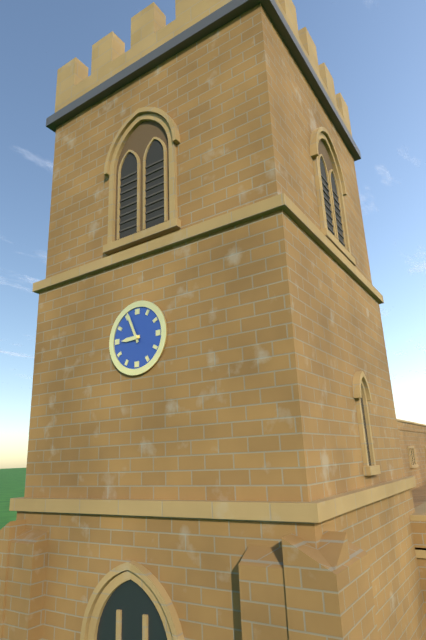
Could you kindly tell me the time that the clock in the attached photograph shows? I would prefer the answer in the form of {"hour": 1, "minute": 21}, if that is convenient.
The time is {"hour": 8, "minute": 56}
